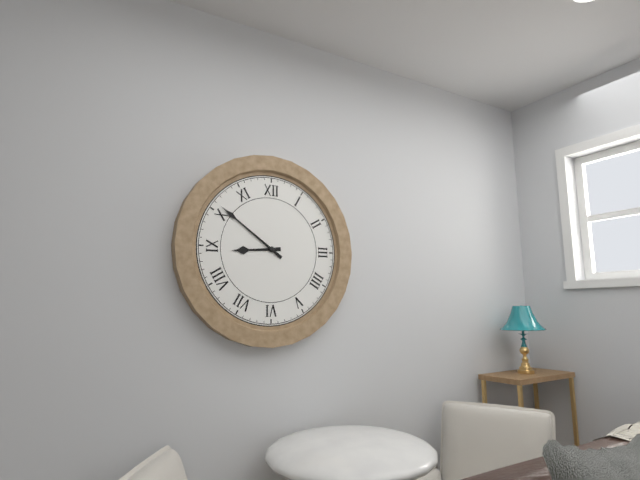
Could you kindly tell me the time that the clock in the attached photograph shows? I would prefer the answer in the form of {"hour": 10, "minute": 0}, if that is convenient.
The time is {"hour": 8, "minute": 51}
